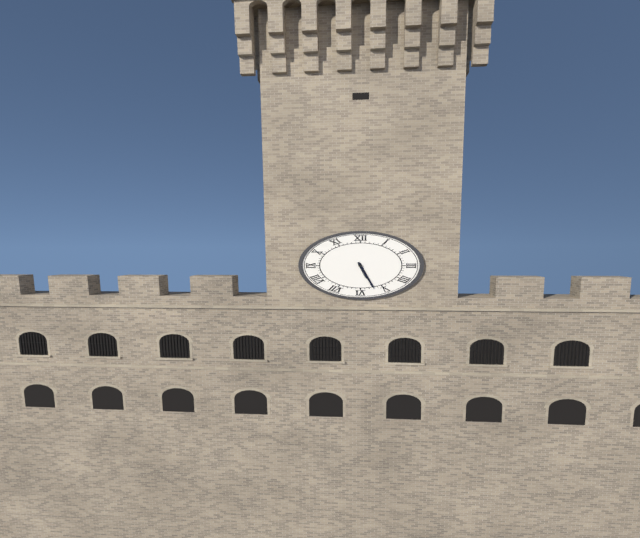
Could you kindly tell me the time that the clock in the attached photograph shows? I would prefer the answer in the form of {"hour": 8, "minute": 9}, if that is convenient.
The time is {"hour": 5, "minute": 27}
